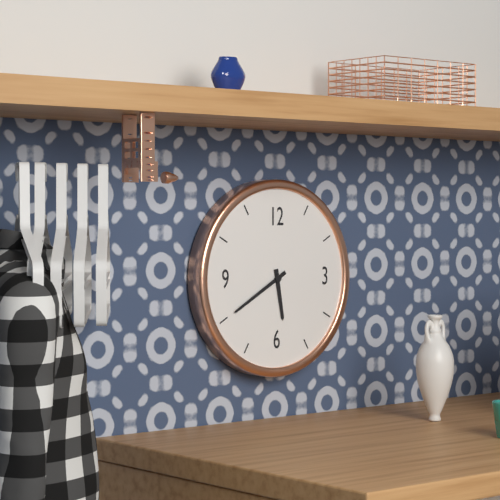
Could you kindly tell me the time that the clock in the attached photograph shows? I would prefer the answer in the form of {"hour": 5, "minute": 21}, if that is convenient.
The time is {"hour": 5, "minute": 40}
